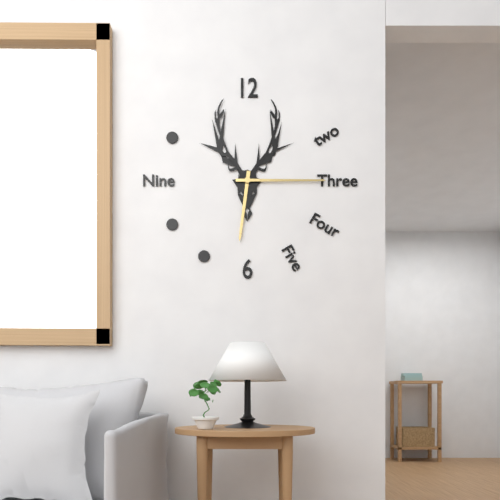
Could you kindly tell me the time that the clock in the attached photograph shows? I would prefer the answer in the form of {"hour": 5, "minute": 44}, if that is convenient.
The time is {"hour": 6, "minute": 15}
